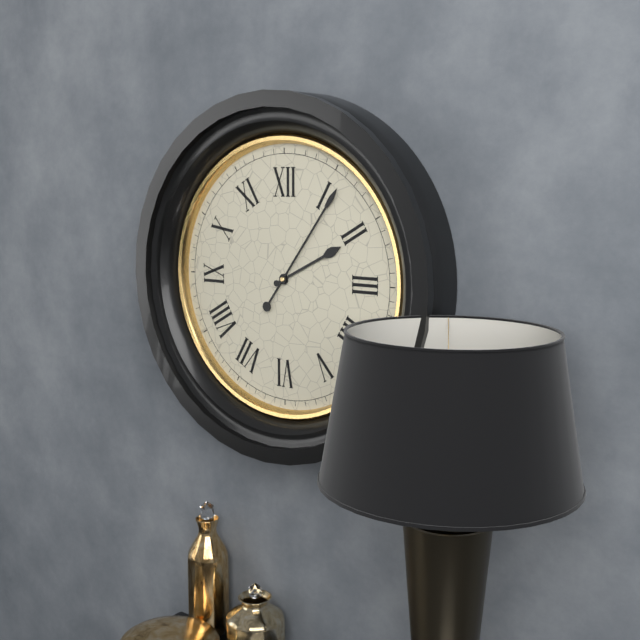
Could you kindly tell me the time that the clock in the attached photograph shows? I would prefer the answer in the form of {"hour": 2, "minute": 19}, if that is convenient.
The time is {"hour": 2, "minute": 6}
